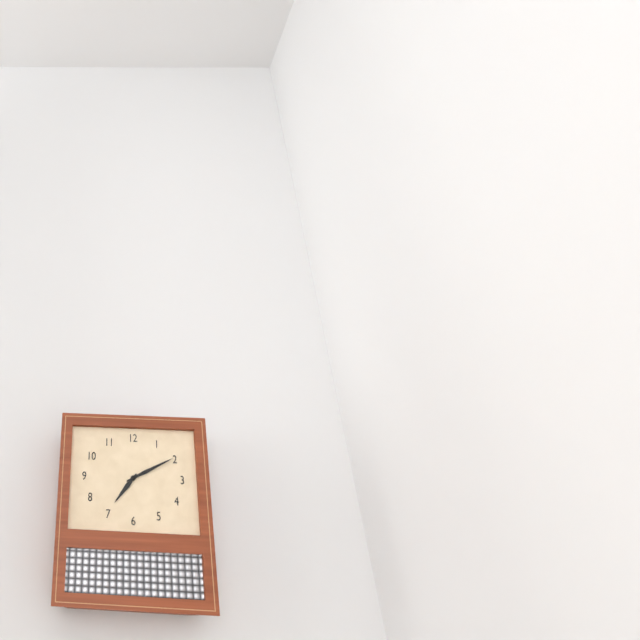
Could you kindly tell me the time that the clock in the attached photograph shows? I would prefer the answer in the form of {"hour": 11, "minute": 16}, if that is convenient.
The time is {"hour": 7, "minute": 10}
